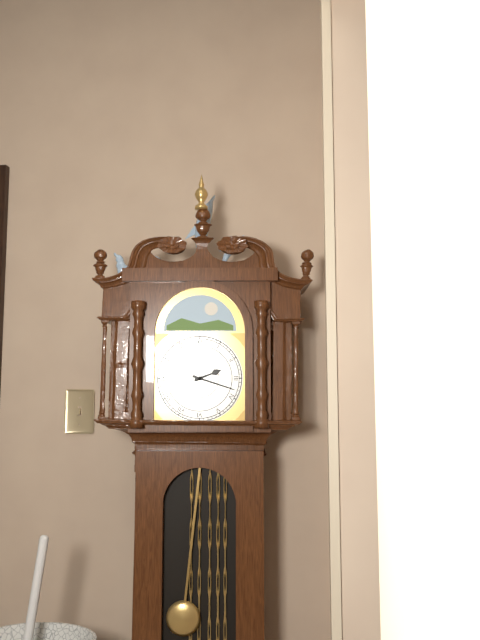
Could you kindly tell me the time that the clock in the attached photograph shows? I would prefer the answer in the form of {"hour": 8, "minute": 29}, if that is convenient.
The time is {"hour": 2, "minute": 18}
